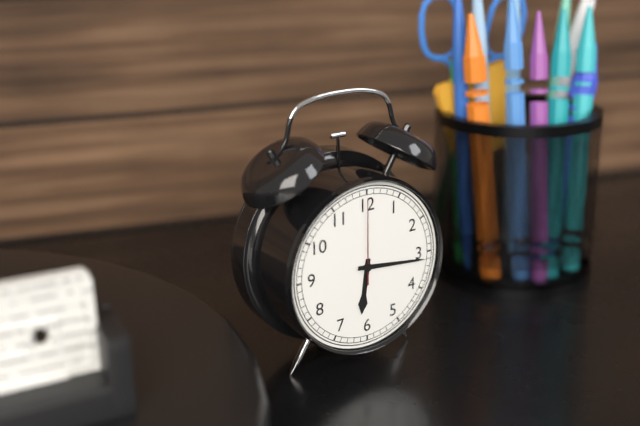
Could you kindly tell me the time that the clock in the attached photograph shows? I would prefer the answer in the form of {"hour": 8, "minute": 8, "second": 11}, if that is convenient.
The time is {"hour": 6, "minute": 16, "second": 0}
